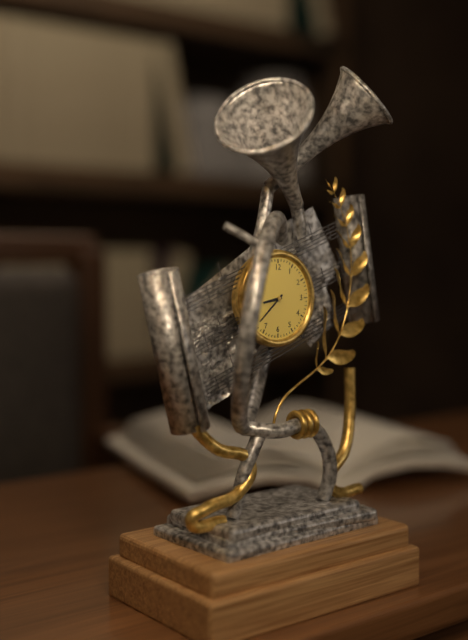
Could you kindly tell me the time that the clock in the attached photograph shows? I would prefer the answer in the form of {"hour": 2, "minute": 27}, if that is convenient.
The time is {"hour": 8, "minute": 38}
